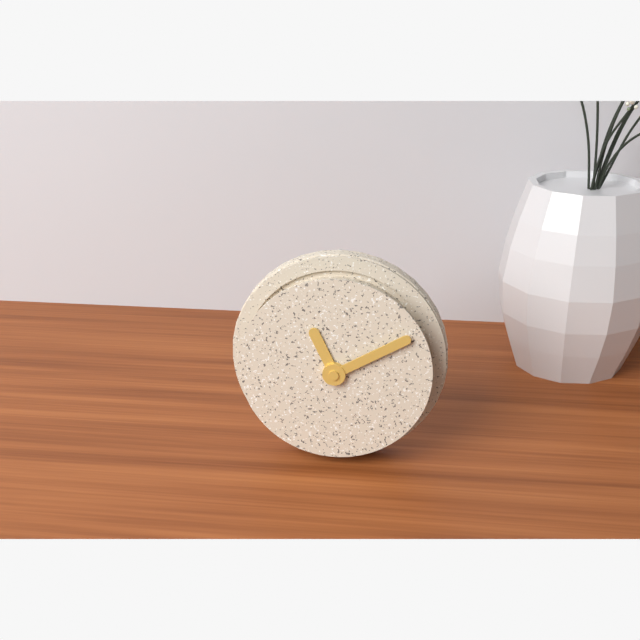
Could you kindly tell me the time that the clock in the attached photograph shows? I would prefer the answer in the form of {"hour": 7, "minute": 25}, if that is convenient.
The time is {"hour": 11, "minute": 10}
